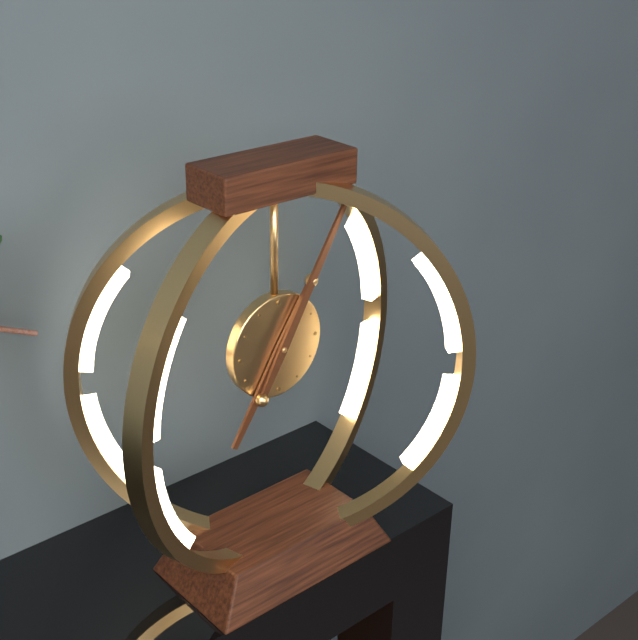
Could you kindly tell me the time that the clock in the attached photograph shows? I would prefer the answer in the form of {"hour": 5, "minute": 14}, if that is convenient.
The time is {"hour": 7, "minute": 5}
